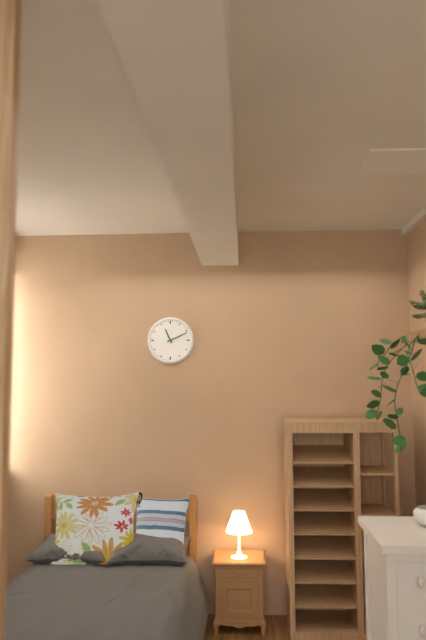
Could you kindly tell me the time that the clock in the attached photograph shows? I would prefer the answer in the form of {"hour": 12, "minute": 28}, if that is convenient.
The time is {"hour": 11, "minute": 11}
